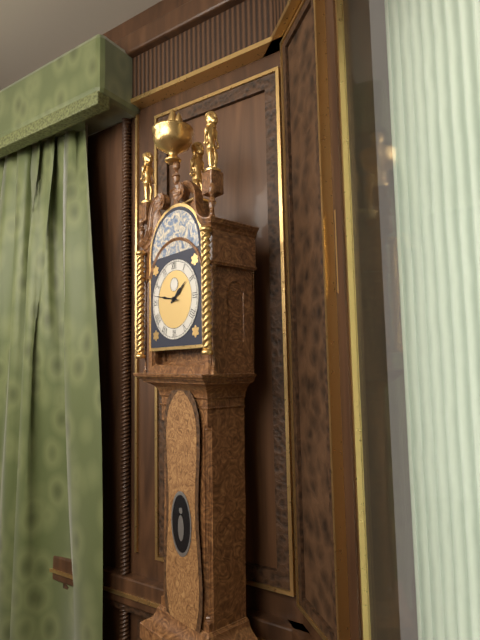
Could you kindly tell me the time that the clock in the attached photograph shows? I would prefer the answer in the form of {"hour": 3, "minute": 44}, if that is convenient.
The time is {"hour": 1, "minute": 47}
